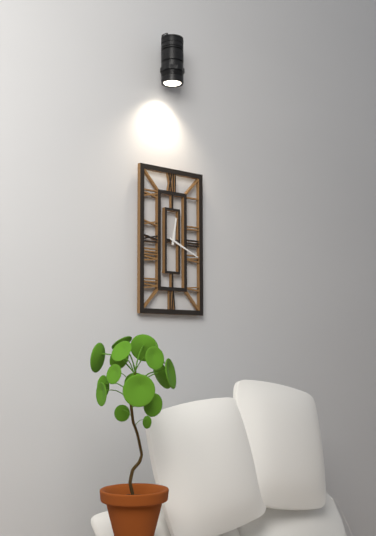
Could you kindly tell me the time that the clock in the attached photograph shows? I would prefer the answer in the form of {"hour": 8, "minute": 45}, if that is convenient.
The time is {"hour": 12, "minute": 19}
